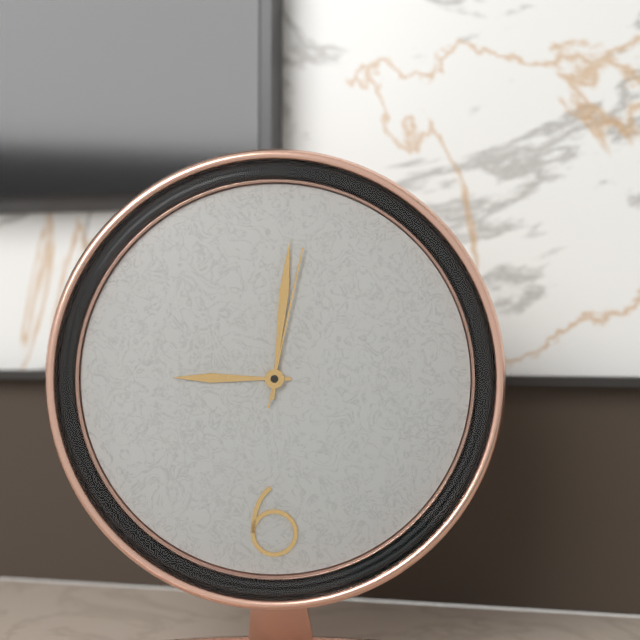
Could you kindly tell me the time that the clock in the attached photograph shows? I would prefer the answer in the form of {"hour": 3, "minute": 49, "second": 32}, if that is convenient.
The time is {"hour": 9, "minute": 1, "second": 2}
